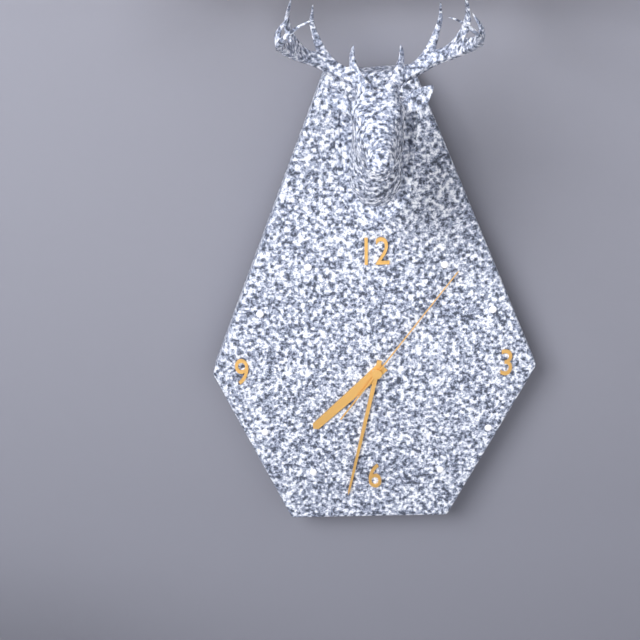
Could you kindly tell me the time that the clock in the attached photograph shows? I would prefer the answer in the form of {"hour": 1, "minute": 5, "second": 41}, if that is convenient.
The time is {"hour": 7, "minute": 32, "second": 6}
